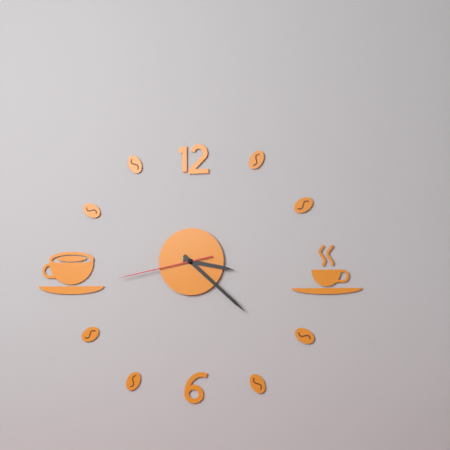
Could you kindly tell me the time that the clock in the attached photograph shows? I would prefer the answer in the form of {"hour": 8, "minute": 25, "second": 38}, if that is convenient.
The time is {"hour": 3, "minute": 22, "second": 43}
